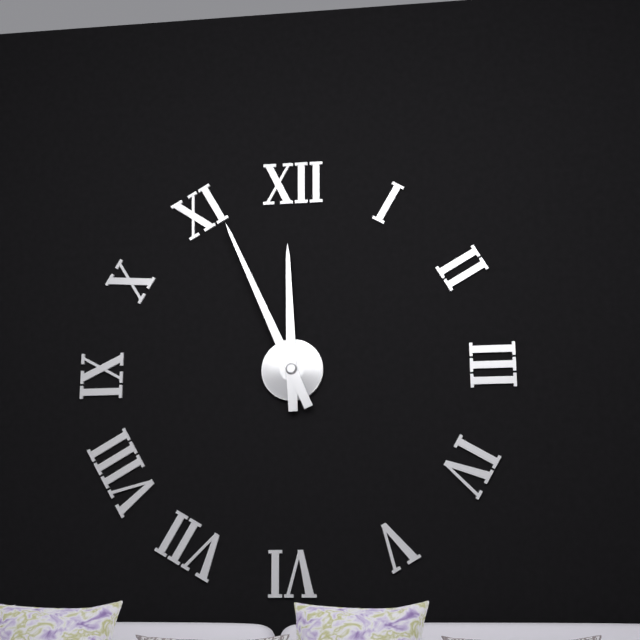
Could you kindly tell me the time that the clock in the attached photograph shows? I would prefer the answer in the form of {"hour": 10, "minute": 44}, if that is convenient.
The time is {"hour": 11, "minute": 56}
